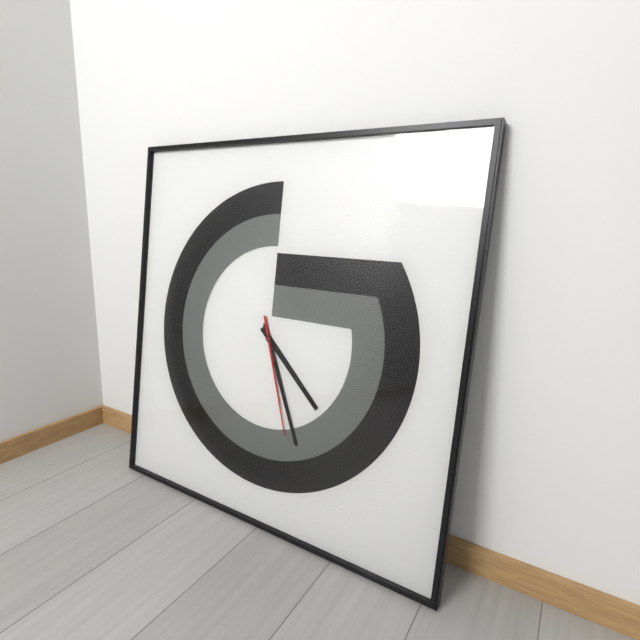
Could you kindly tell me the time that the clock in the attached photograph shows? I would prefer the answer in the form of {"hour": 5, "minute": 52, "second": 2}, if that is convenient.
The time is {"hour": 4, "minute": 26, "second": 27}
